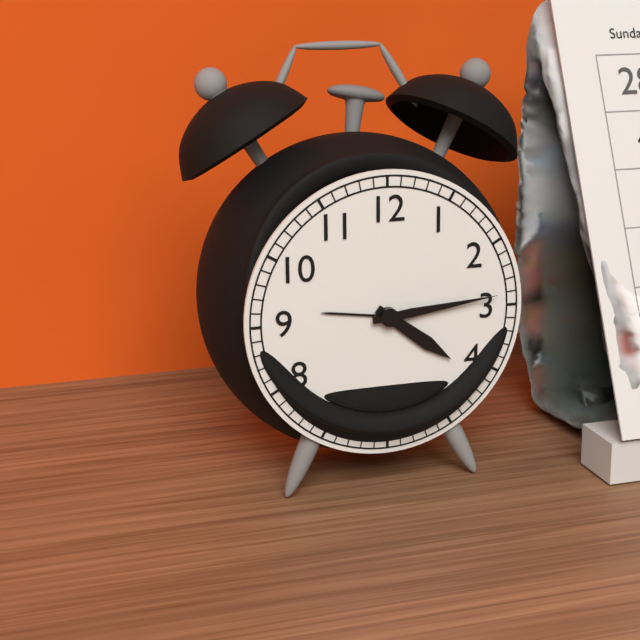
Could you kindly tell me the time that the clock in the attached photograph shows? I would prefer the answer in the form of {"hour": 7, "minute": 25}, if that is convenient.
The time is {"hour": 4, "minute": 14}
